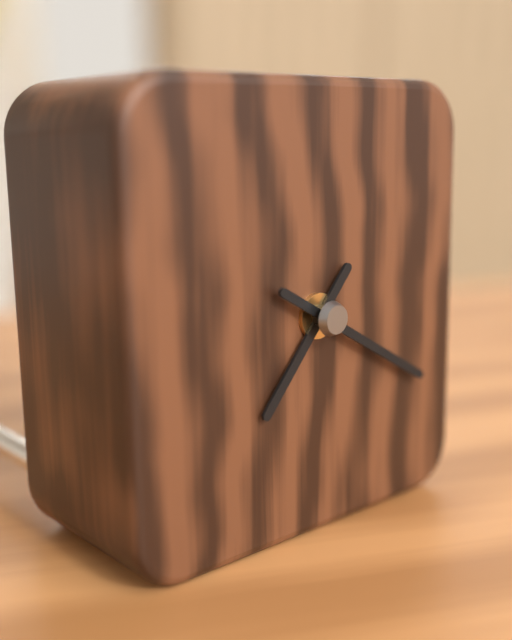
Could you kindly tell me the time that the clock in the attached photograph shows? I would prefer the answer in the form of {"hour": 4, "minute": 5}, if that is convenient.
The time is {"hour": 7, "minute": 20}
